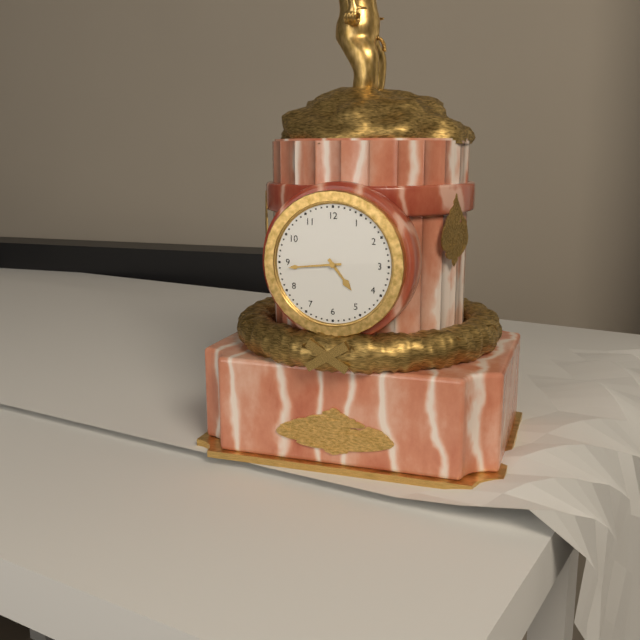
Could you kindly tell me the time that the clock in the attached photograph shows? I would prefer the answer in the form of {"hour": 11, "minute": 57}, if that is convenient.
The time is {"hour": 4, "minute": 44}
